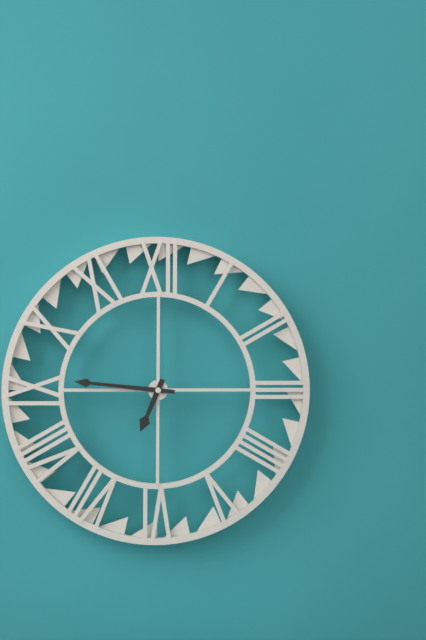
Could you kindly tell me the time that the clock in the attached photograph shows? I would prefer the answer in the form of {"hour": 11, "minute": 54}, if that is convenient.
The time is {"hour": 6, "minute": 46}
